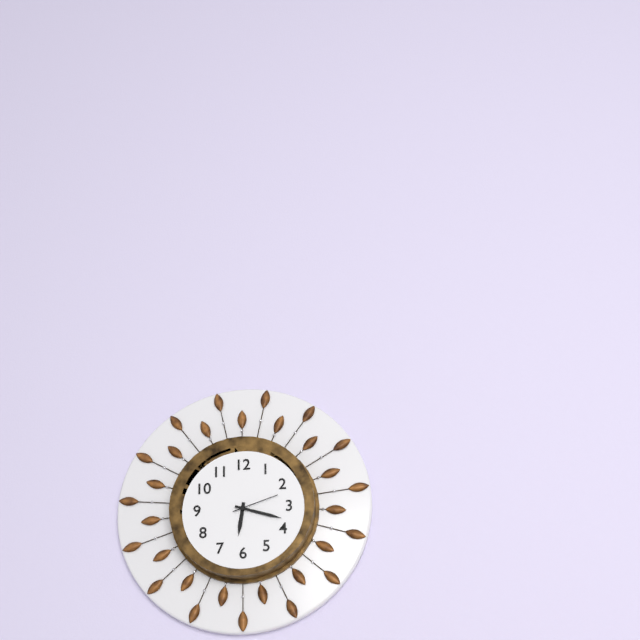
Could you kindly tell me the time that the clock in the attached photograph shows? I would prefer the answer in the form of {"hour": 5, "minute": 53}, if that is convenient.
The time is {"hour": 6, "minute": 18}
